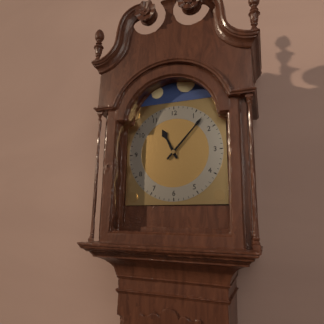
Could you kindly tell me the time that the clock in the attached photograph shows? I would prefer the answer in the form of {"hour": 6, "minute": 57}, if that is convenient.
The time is {"hour": 11, "minute": 7}
